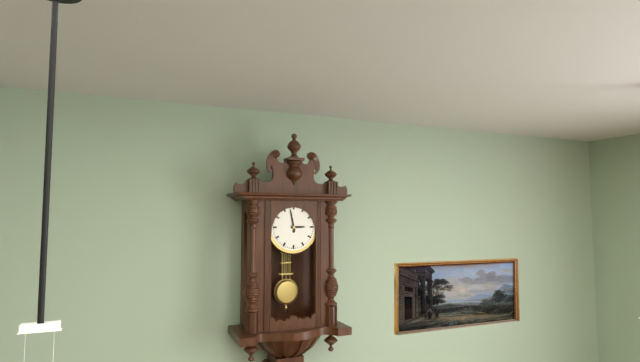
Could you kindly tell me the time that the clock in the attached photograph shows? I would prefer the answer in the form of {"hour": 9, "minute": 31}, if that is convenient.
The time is {"hour": 2, "minute": 58}
